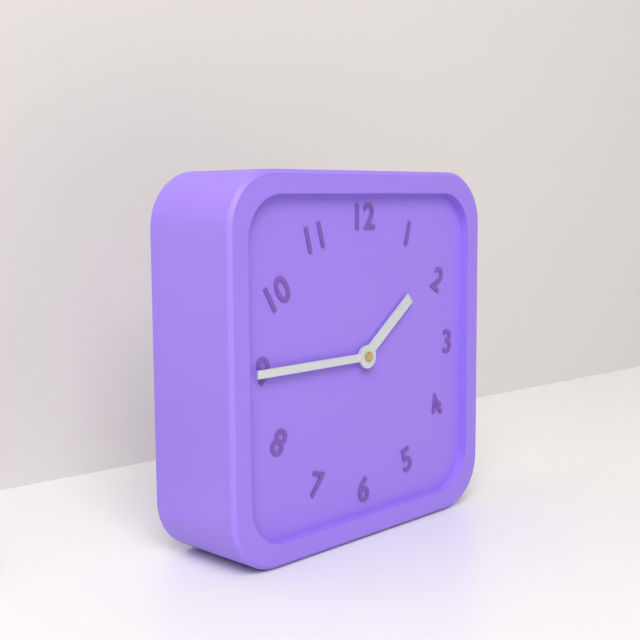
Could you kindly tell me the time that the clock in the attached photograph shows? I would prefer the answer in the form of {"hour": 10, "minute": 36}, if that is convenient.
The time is {"hour": 1, "minute": 45}
